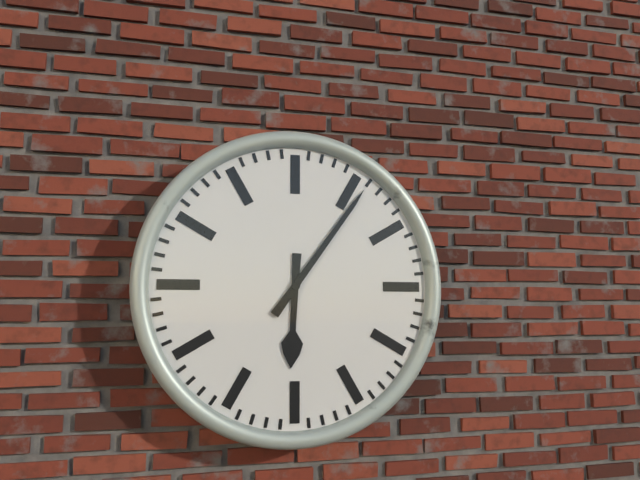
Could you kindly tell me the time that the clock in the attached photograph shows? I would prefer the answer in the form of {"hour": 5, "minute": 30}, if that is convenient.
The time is {"hour": 6, "minute": 6}
